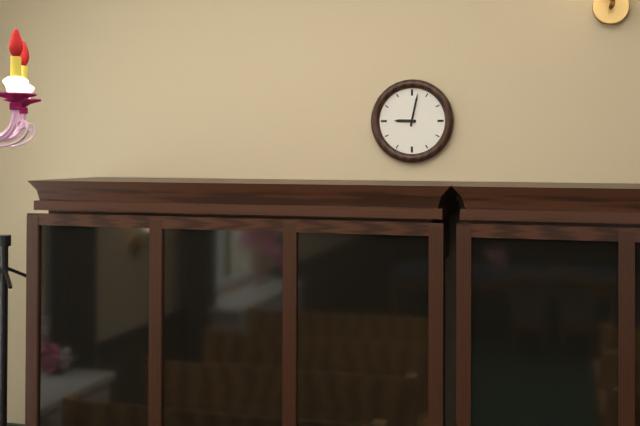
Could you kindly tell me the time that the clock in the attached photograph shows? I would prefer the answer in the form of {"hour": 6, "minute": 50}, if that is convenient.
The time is {"hour": 9, "minute": 2}
